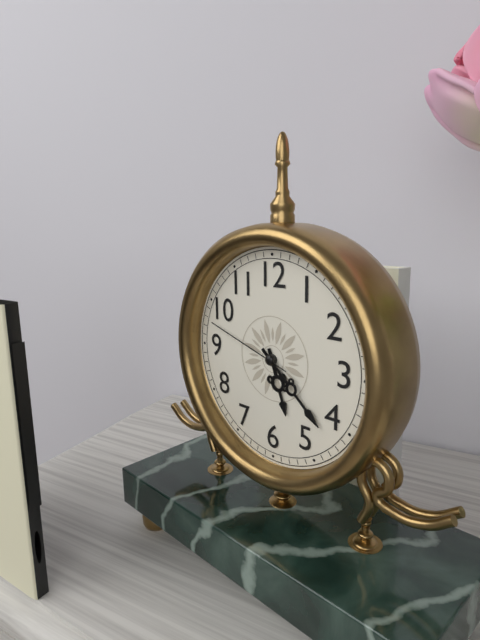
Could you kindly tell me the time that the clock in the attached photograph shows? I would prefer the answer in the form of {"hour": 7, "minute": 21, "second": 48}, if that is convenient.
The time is {"hour": 5, "minute": 22, "second": 48}
